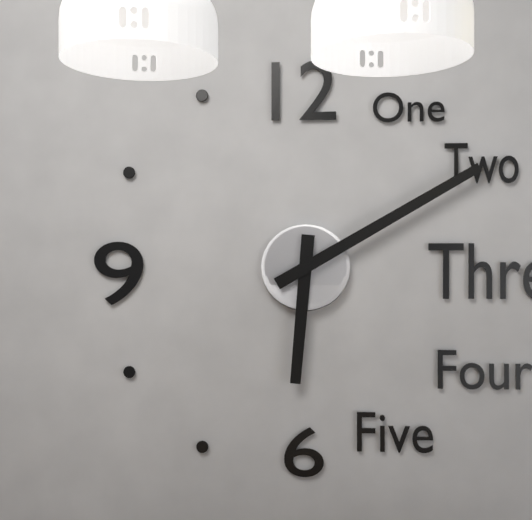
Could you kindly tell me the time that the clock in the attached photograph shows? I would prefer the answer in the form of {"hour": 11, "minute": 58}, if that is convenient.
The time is {"hour": 6, "minute": 10}
